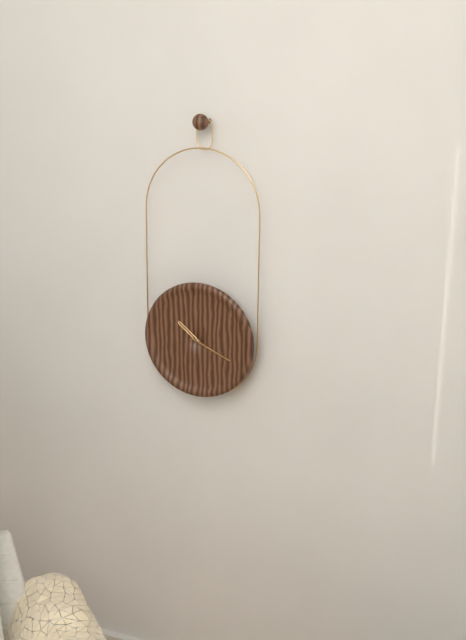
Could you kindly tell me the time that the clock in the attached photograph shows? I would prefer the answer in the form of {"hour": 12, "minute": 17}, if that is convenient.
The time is {"hour": 10, "minute": 19}
